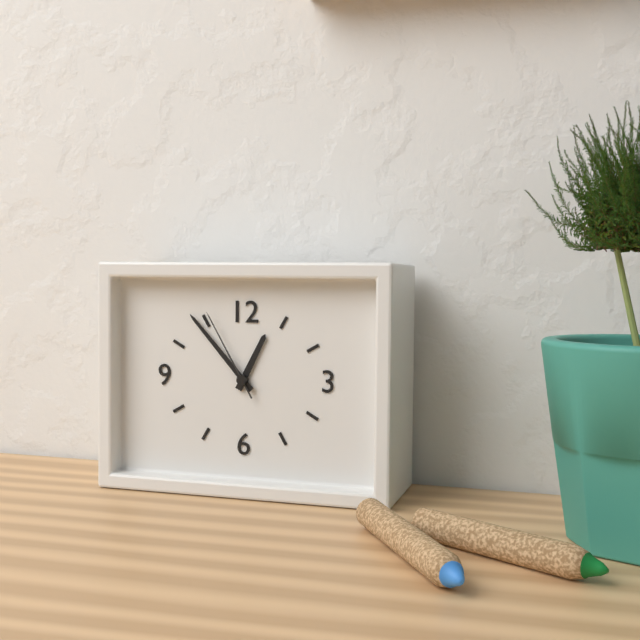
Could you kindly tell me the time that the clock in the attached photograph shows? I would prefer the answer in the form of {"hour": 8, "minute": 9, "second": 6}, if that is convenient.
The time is {"hour": 12, "minute": 53, "second": 55}
